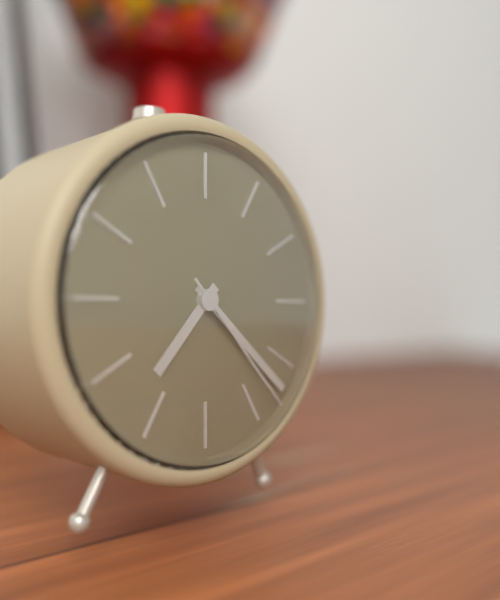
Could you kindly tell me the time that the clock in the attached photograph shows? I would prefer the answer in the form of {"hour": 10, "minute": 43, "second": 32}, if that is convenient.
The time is {"hour": 7, "minute": 22, "second": 23}
